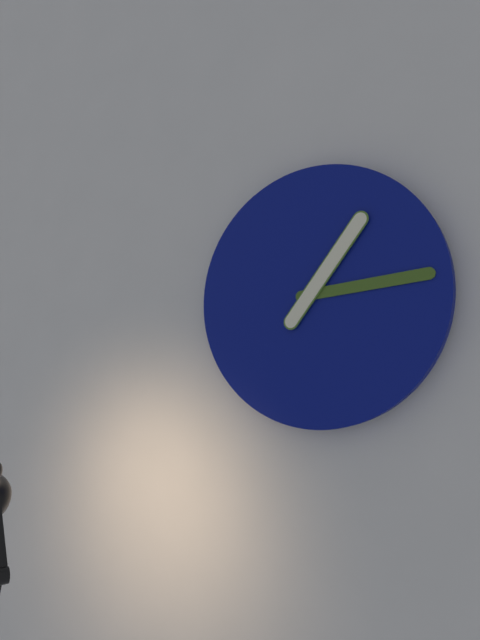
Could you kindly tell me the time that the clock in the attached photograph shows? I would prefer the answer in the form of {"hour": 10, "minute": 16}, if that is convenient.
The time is {"hour": 1, "minute": 14}
